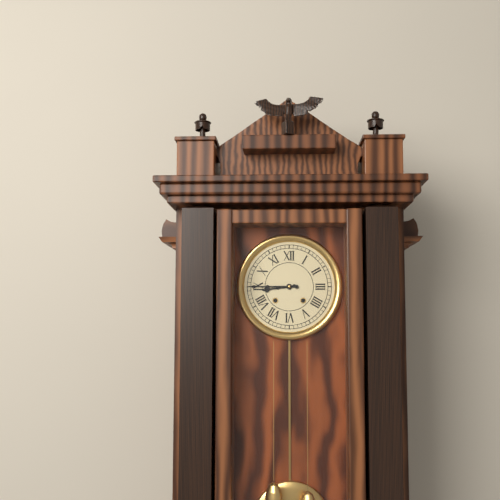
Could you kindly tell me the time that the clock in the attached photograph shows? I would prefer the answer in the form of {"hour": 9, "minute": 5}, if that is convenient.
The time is {"hour": 8, "minute": 45}
